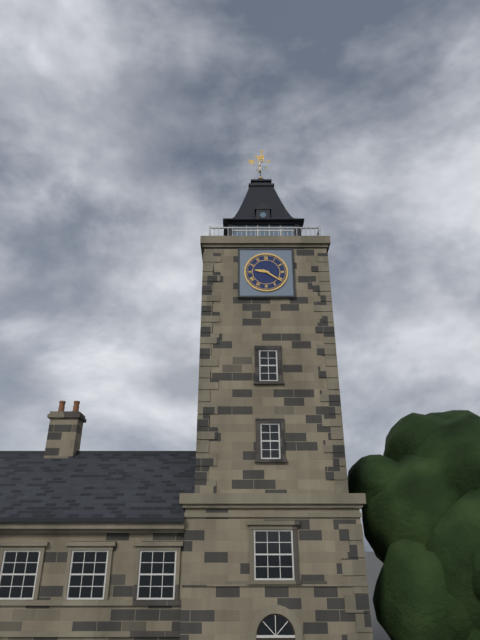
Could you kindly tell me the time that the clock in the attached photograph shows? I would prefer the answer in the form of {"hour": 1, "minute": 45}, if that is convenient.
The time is {"hour": 9, "minute": 21}
